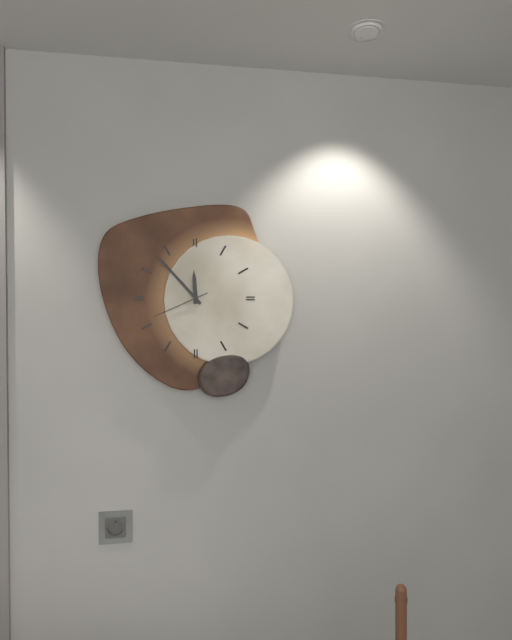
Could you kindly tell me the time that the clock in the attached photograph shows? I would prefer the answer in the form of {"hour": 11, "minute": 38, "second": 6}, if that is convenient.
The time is {"hour": 11, "minute": 53, "second": 41}
